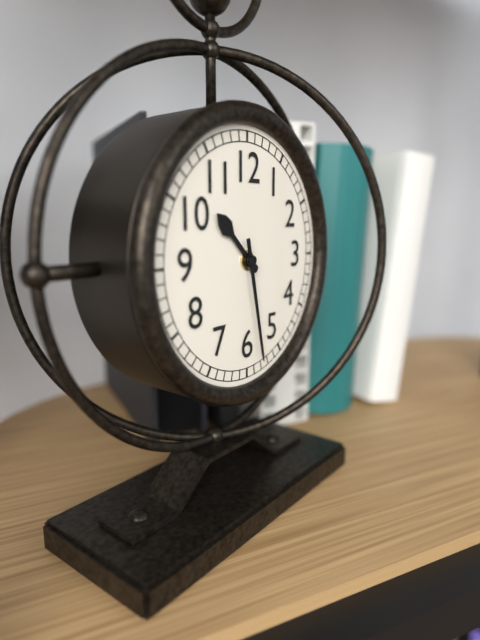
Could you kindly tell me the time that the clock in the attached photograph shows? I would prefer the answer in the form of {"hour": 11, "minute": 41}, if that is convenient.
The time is {"hour": 10, "minute": 28}
